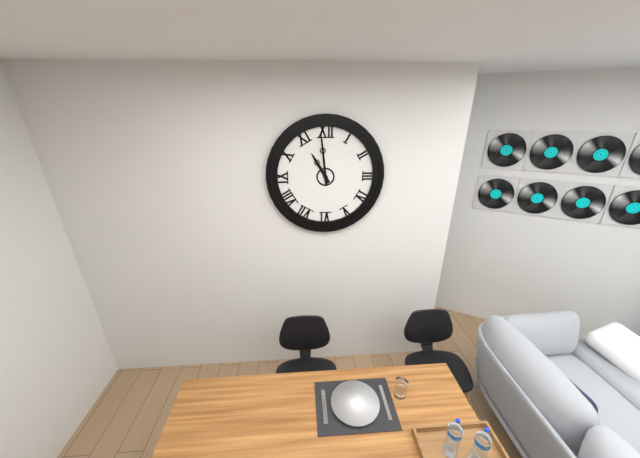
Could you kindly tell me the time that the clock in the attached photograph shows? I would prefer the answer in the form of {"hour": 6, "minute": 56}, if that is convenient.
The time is {"hour": 10, "minute": 59}
